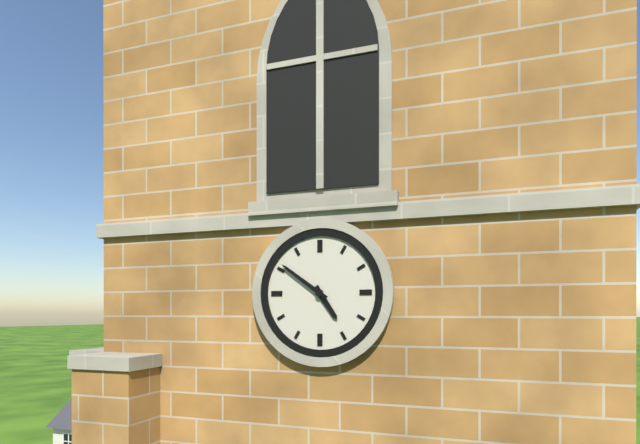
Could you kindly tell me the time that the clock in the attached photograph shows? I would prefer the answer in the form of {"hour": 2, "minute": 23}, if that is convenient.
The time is {"hour": 4, "minute": 51}
